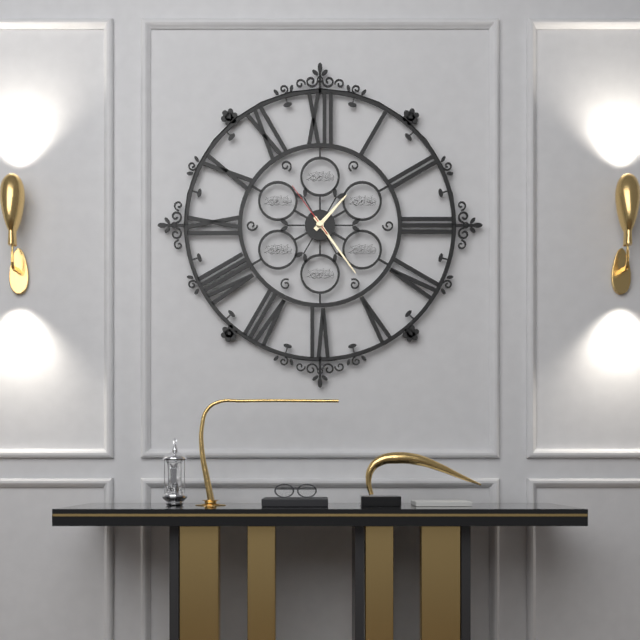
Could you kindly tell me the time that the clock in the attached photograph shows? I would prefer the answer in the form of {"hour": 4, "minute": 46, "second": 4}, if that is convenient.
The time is {"hour": 1, "minute": 24, "second": 54}
